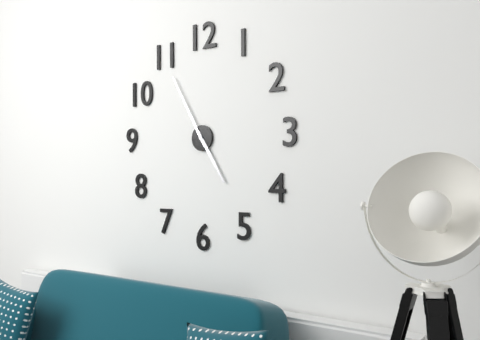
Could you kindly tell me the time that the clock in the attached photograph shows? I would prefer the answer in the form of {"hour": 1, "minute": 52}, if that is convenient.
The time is {"hour": 4, "minute": 55}
